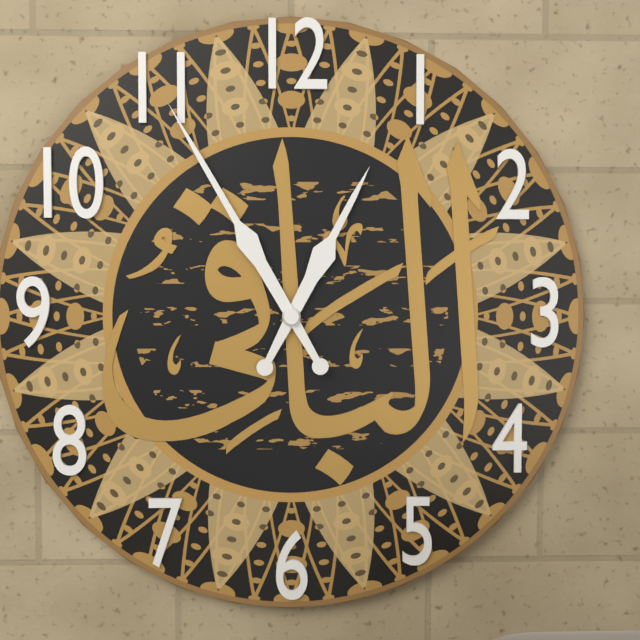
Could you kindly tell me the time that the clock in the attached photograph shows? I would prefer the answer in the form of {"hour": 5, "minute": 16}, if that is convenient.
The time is {"hour": 12, "minute": 55}
